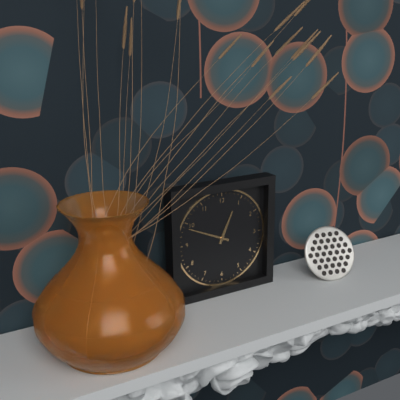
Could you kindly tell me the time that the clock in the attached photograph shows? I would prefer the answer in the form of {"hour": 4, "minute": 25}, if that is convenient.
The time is {"hour": 12, "minute": 49}
